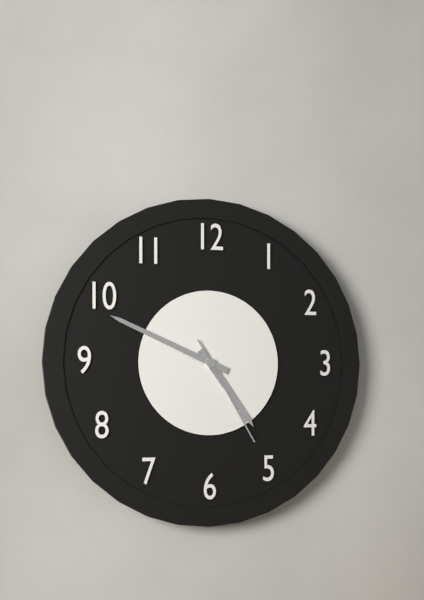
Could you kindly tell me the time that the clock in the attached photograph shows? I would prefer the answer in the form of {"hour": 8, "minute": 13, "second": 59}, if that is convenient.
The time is {"hour": 4, "minute": 49, "second": 25}
